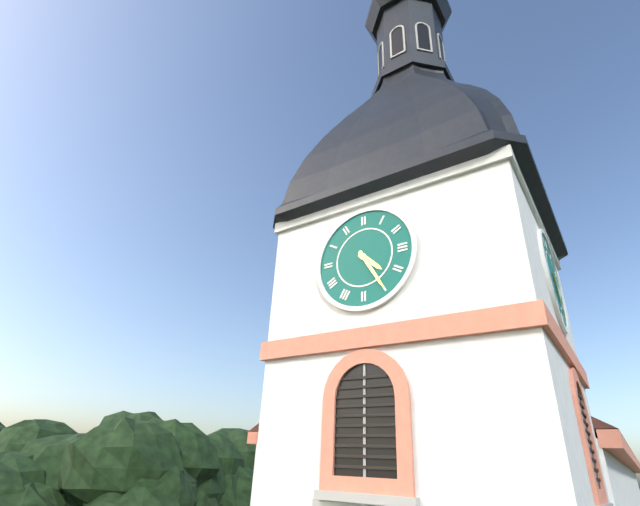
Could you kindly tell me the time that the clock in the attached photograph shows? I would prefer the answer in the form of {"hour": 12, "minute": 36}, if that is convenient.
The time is {"hour": 4, "minute": 25}
